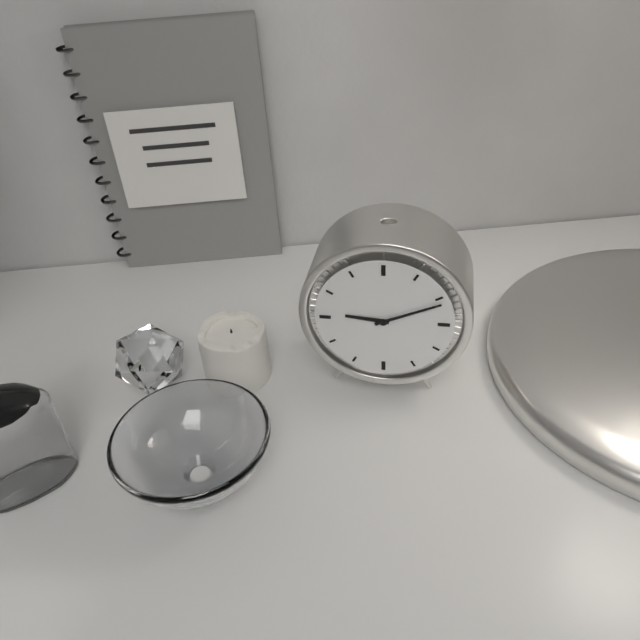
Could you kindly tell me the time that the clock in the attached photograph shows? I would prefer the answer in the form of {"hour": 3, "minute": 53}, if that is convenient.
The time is {"hour": 9, "minute": 11}
